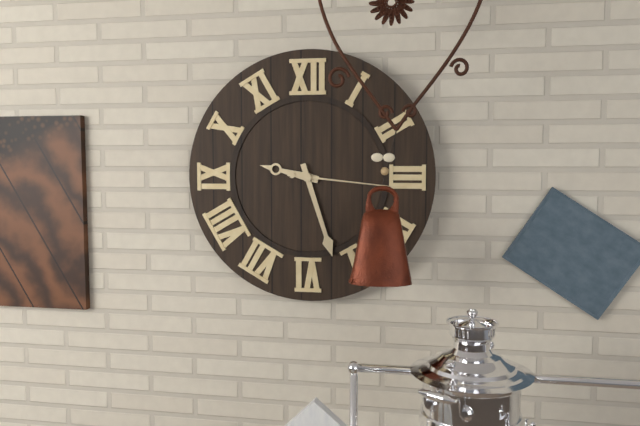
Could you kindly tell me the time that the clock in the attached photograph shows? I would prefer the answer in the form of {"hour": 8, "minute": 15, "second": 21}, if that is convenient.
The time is {"hour": 9, "minute": 27, "second": 16}
